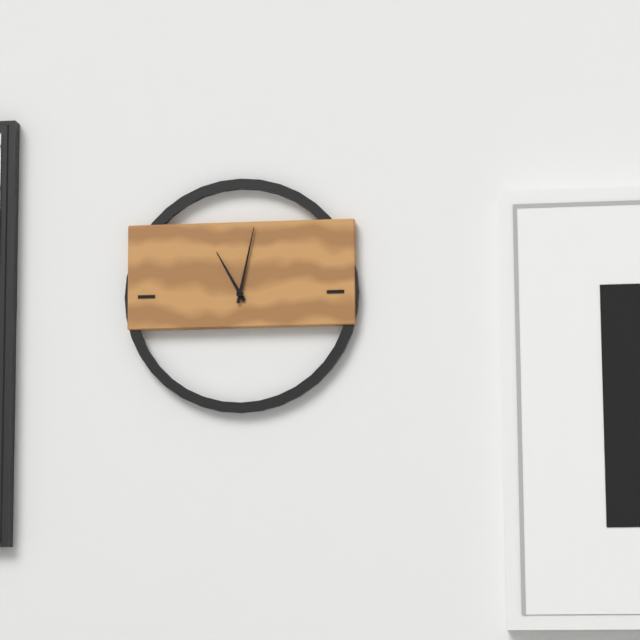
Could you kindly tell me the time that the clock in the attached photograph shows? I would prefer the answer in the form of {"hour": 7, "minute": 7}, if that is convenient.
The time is {"hour": 11, "minute": 2}
